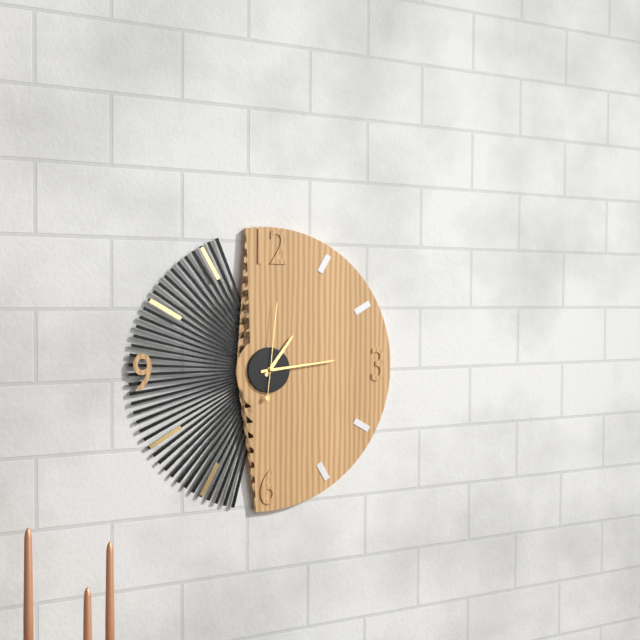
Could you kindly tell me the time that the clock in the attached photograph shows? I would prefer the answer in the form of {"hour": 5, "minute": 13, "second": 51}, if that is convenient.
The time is {"hour": 1, "minute": 14, "second": 1}
